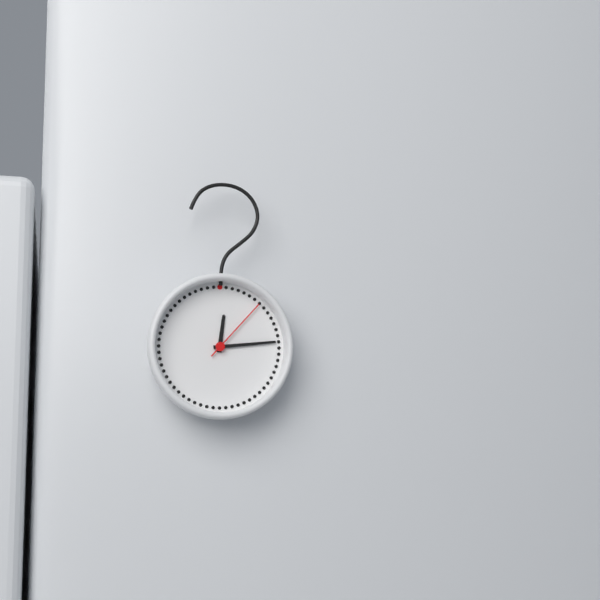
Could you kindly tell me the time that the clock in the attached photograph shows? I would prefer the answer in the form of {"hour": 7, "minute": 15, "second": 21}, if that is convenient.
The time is {"hour": 12, "minute": 14, "second": 7}
